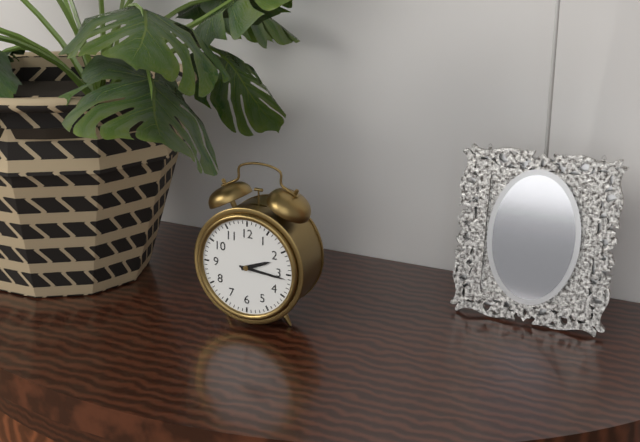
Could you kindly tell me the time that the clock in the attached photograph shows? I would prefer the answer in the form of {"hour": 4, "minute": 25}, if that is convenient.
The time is {"hour": 2, "minute": 16}
